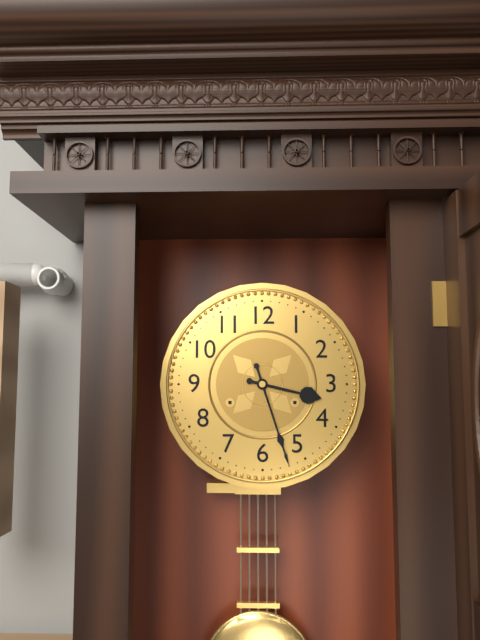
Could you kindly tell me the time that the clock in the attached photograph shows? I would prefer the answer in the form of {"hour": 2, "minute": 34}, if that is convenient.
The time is {"hour": 3, "minute": 27}
